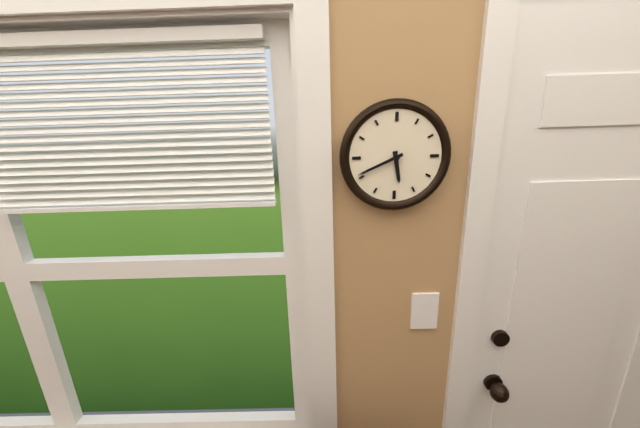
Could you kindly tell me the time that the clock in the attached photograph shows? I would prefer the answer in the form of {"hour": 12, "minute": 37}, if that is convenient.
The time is {"hour": 5, "minute": 41}
